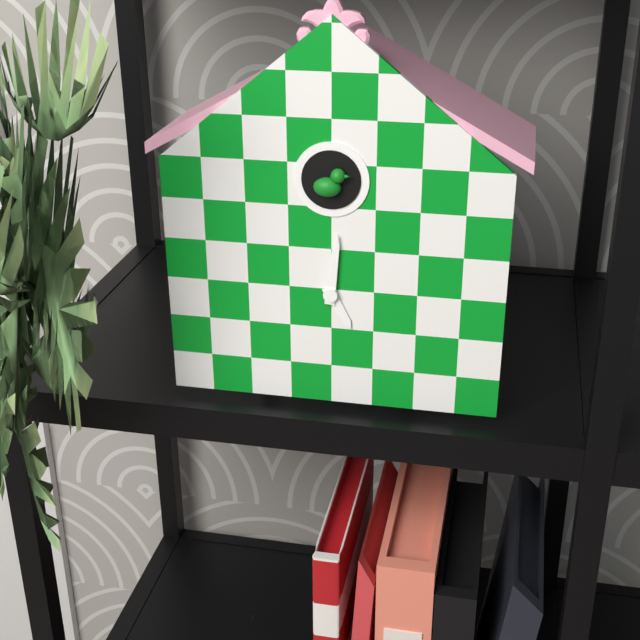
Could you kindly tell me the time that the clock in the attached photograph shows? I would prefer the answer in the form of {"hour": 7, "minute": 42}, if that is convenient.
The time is {"hour": 5, "minute": 1}
